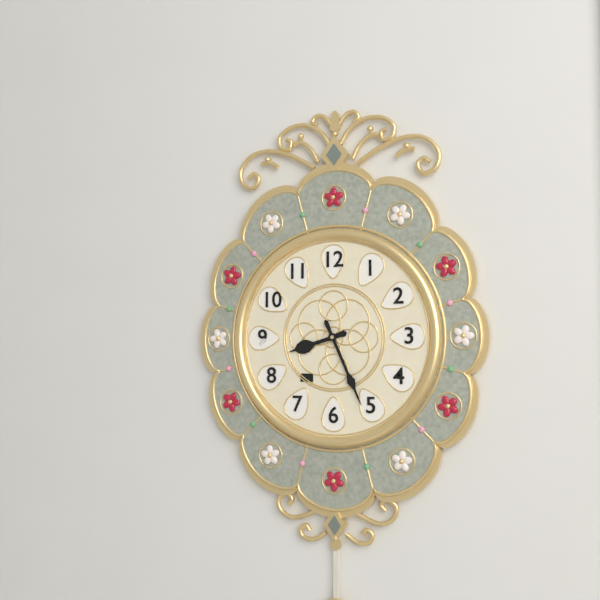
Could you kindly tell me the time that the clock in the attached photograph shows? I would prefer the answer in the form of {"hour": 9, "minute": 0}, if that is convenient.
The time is {"hour": 8, "minute": 26}
